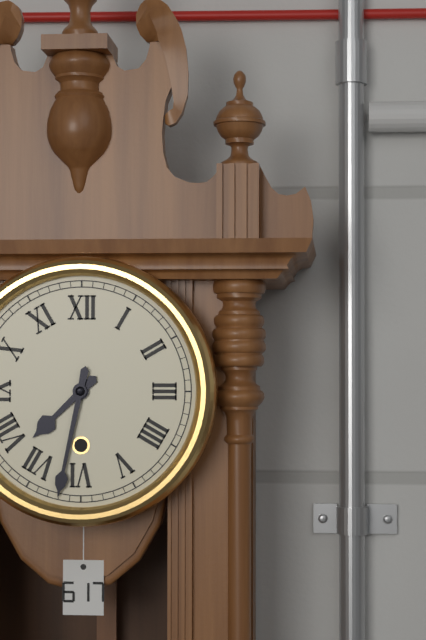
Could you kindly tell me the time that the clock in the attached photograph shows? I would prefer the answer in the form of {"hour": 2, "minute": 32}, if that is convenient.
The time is {"hour": 7, "minute": 32}
